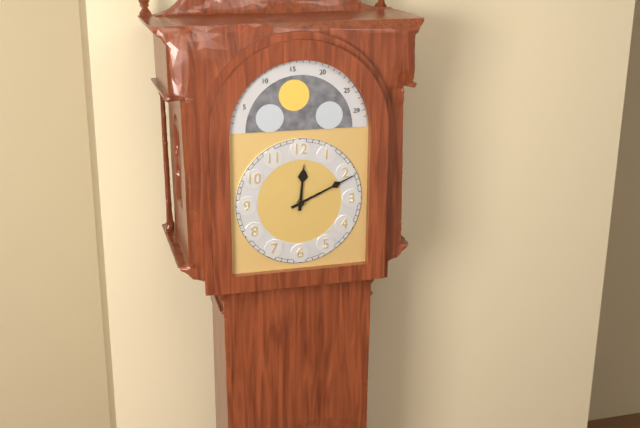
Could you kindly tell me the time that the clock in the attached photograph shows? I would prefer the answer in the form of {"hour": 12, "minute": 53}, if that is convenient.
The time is {"hour": 12, "minute": 11}
